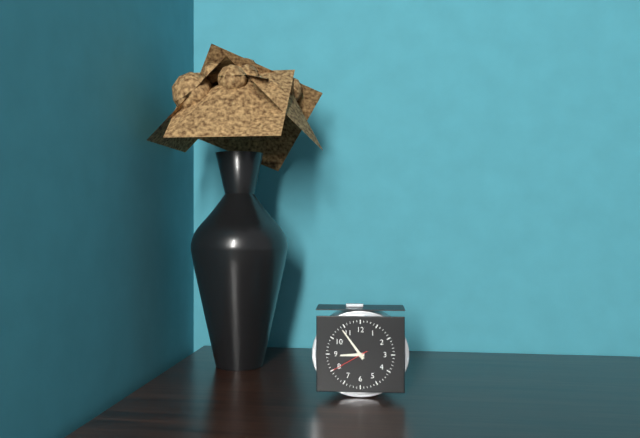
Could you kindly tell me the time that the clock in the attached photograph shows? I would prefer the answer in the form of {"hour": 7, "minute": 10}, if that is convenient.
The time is {"hour": 8, "minute": 54}
